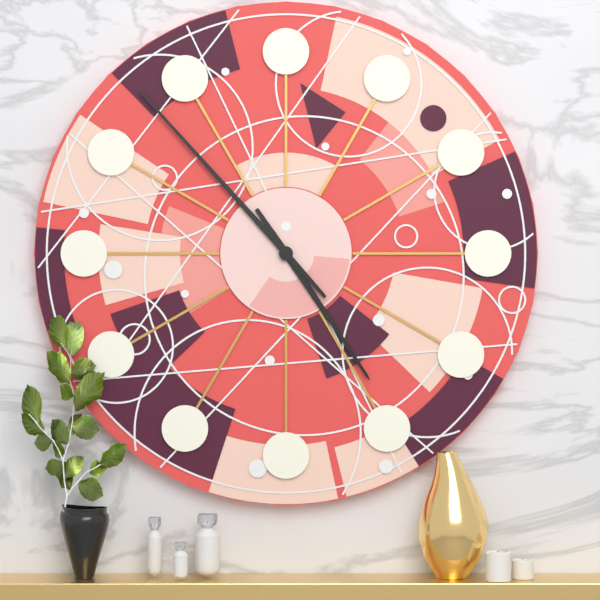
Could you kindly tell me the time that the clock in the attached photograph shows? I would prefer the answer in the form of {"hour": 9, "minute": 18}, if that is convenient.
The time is {"hour": 4, "minute": 53}
